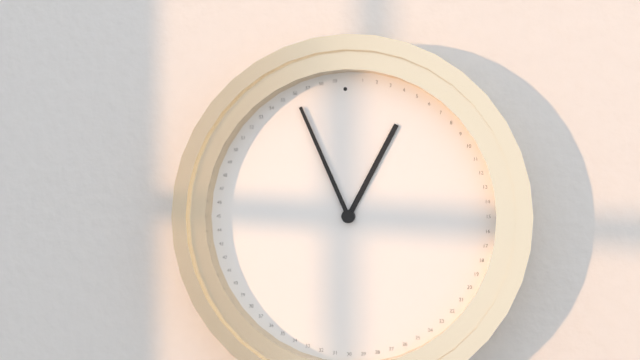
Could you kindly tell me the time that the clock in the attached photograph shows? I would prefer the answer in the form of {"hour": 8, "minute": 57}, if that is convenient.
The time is {"hour": 12, "minute": 56}
